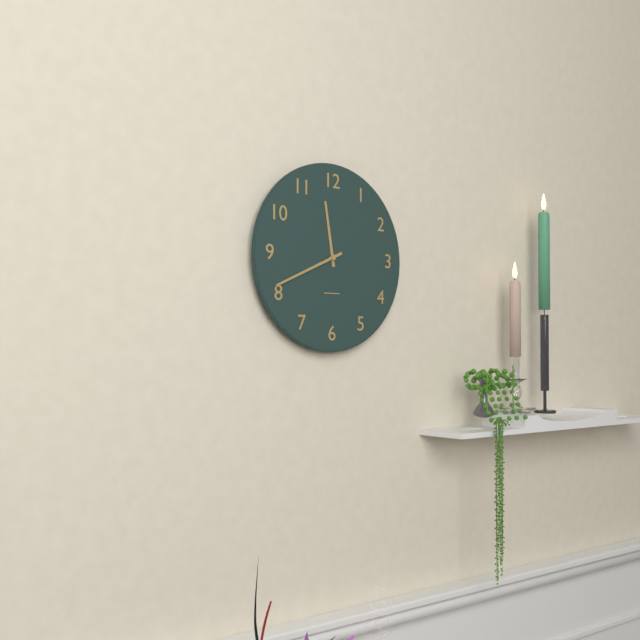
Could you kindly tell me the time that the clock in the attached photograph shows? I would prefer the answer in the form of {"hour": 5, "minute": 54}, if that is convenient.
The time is {"hour": 11, "minute": 41}
